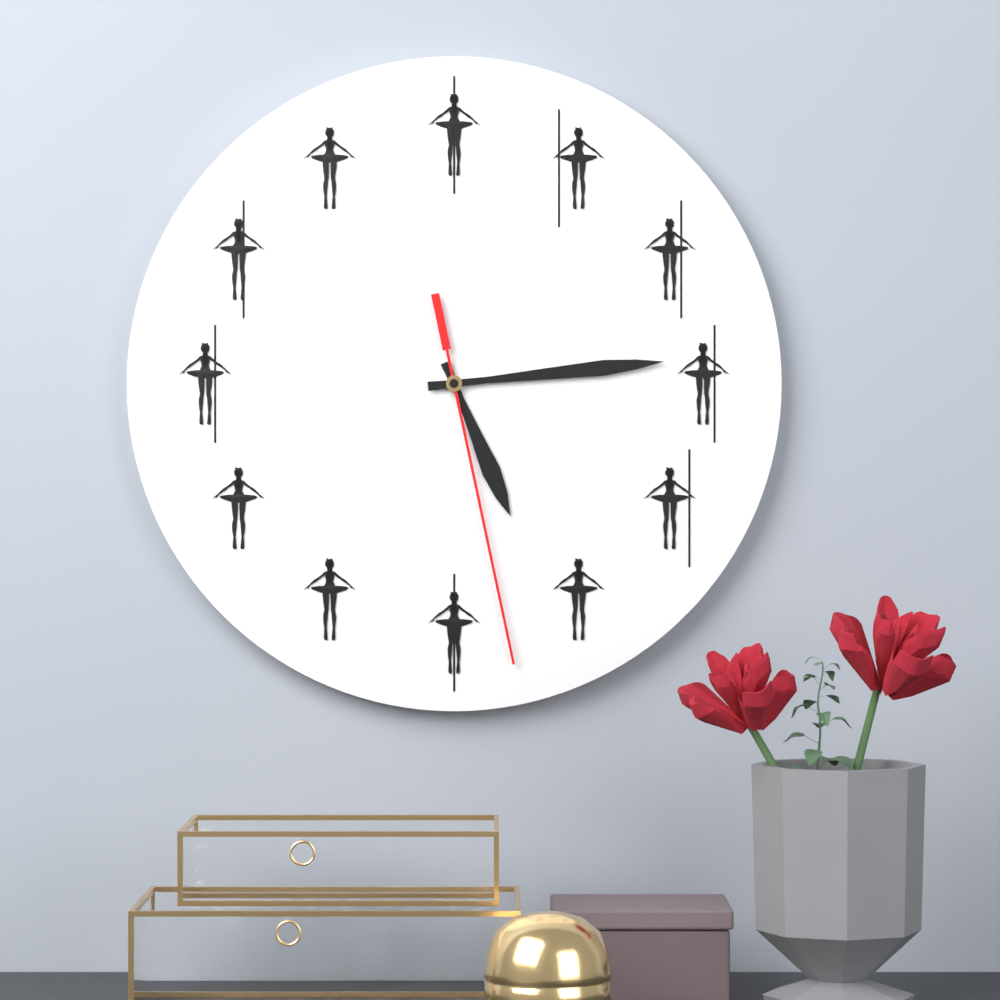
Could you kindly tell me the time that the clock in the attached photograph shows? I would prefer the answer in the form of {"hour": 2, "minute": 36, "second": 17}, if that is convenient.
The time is {"hour": 5, "minute": 14, "second": 28}
